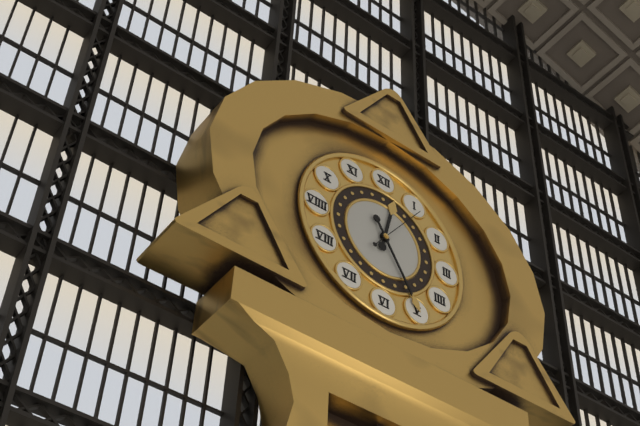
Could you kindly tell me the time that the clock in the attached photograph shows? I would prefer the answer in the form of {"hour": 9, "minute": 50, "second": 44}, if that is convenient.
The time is {"hour": 12, "minute": 25, "second": 6}
